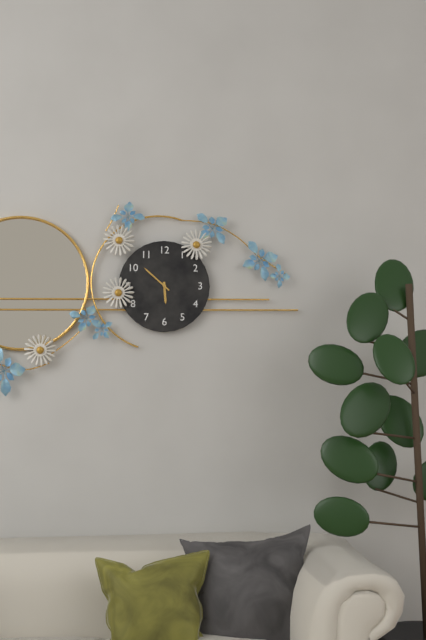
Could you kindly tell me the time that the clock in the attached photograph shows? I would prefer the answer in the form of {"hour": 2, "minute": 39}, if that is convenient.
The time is {"hour": 5, "minute": 52}
